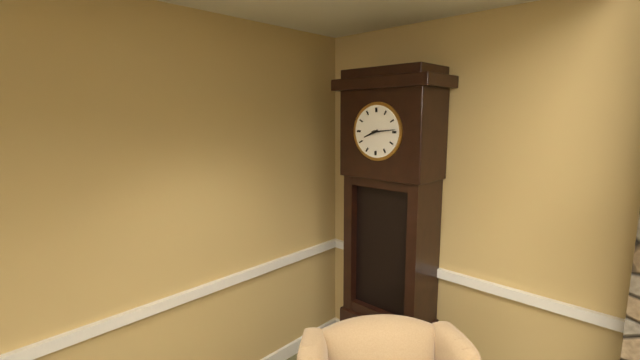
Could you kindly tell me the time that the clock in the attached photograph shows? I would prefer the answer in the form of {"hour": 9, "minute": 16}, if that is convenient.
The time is {"hour": 8, "minute": 14}
